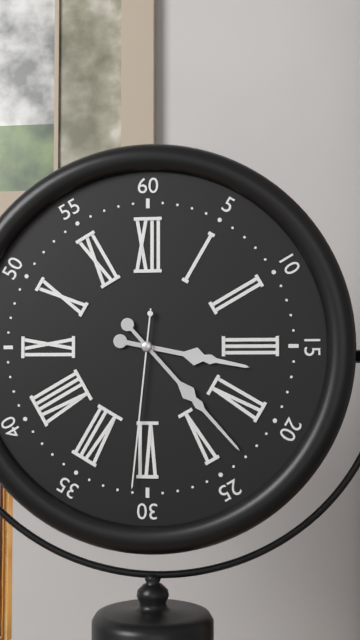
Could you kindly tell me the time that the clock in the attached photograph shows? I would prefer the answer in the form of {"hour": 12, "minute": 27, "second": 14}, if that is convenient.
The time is {"hour": 3, "minute": 23, "second": 31}
